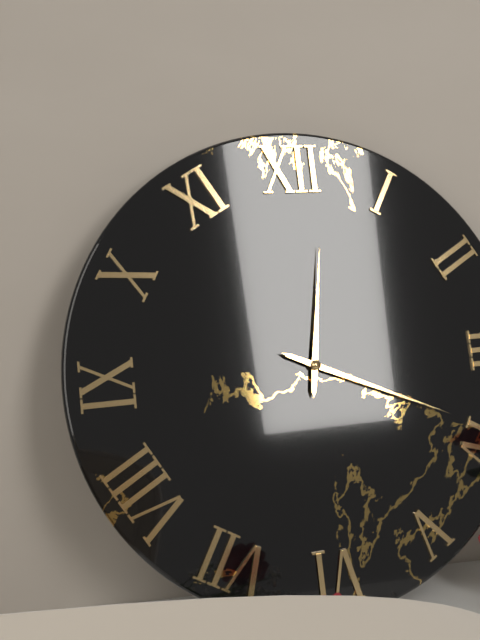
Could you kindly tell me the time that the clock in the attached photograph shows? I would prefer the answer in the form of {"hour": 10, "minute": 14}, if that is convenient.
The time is {"hour": 12, "minute": 19}
